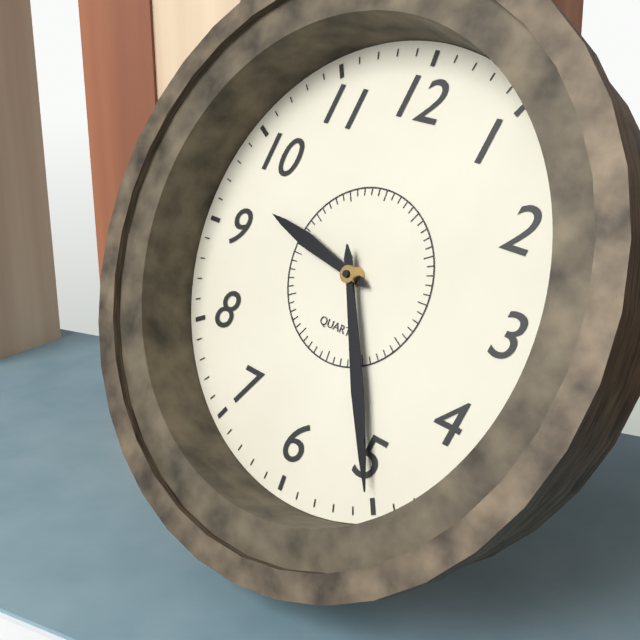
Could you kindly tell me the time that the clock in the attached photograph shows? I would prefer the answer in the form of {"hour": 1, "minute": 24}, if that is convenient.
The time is {"hour": 9, "minute": 25}
